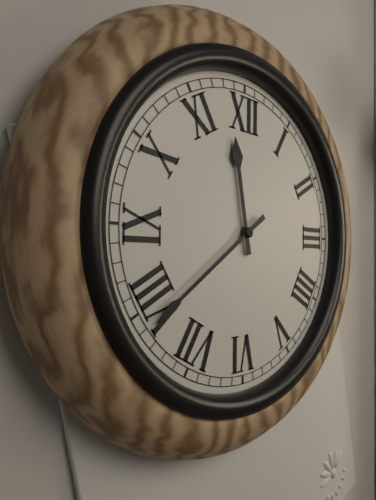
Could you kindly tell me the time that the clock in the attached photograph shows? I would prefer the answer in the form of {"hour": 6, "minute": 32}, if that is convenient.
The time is {"hour": 11, "minute": 39}
